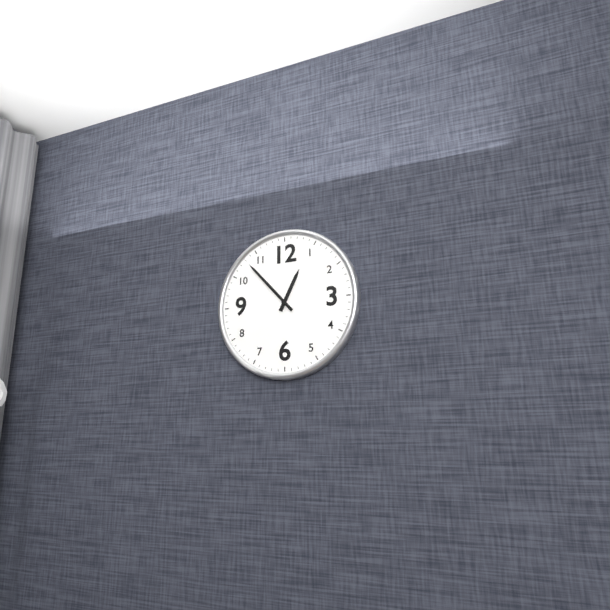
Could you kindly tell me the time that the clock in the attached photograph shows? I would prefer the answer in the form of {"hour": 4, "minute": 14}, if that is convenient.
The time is {"hour": 12, "minute": 53}
